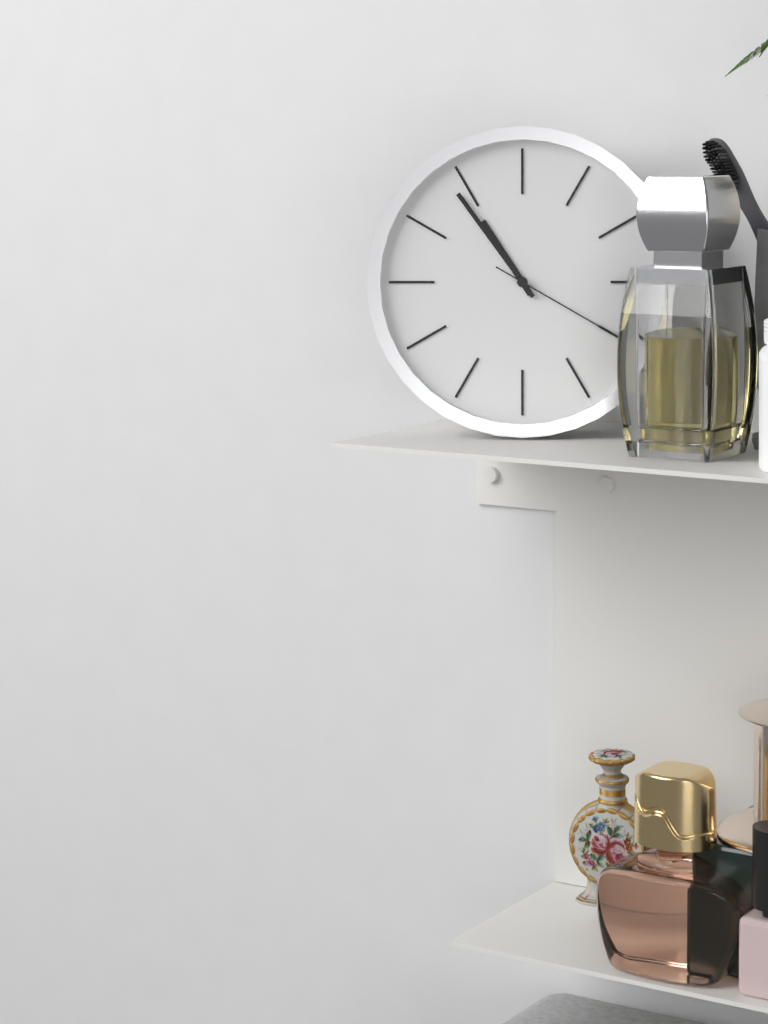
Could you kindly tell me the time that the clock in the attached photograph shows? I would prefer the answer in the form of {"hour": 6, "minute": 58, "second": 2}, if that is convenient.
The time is {"hour": 10, "minute": 54, "second": 20}
